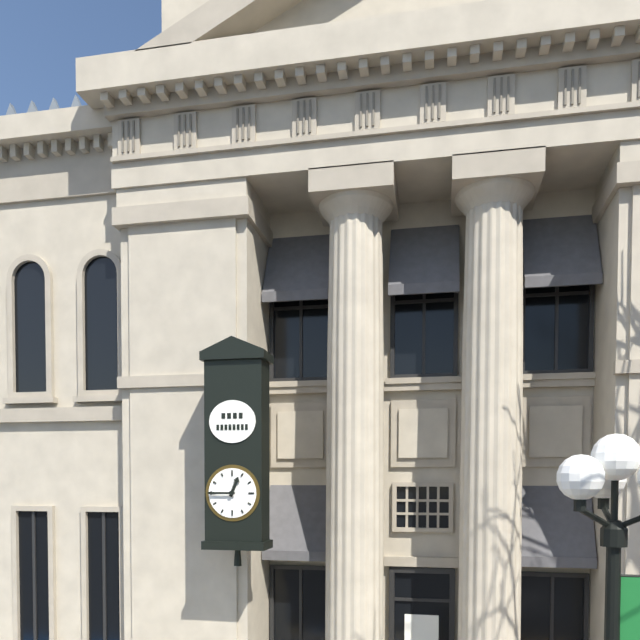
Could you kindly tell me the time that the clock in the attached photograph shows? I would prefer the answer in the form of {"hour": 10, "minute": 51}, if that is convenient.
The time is {"hour": 12, "minute": 45}
